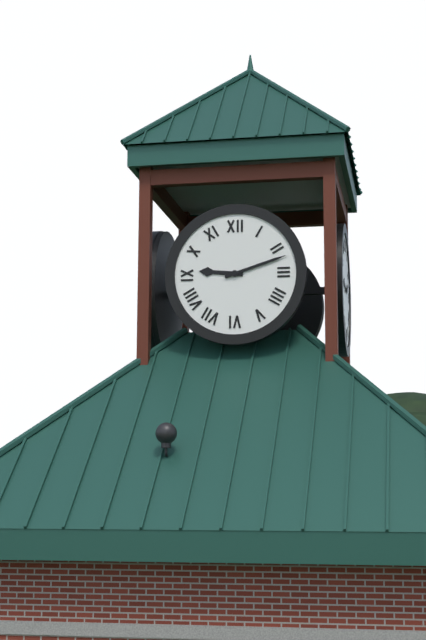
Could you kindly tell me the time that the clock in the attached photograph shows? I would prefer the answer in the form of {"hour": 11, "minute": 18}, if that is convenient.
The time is {"hour": 9, "minute": 12}
